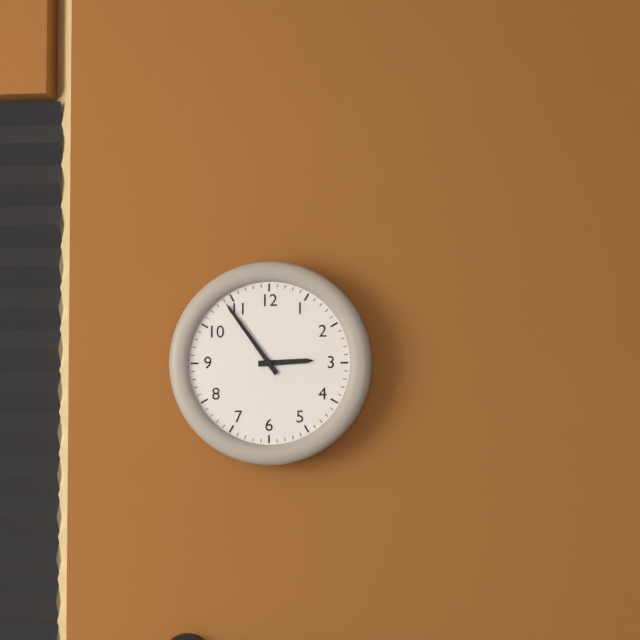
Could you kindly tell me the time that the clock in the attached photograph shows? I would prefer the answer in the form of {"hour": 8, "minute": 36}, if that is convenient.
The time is {"hour": 2, "minute": 54}
